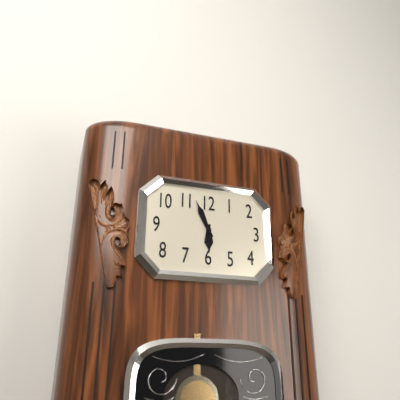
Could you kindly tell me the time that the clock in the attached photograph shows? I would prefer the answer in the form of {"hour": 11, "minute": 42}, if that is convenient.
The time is {"hour": 5, "minute": 56}
